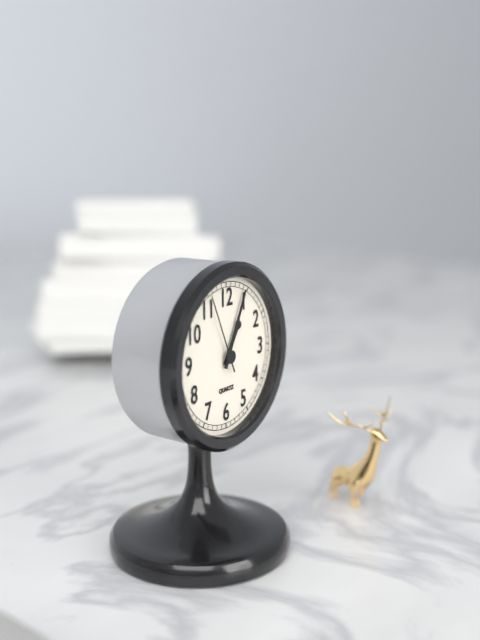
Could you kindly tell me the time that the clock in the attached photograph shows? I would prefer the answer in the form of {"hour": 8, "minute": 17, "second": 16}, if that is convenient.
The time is {"hour": 1, "minute": 4, "second": 56}
